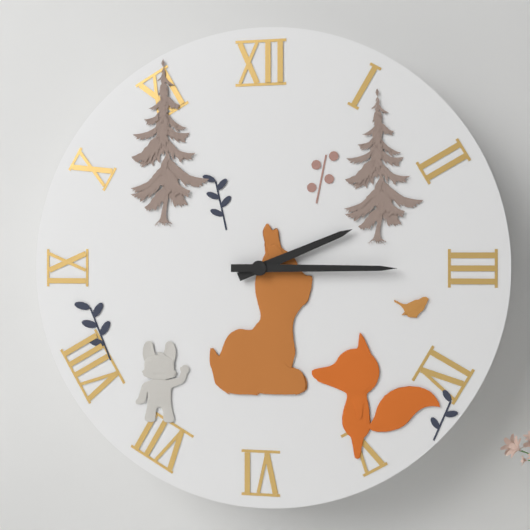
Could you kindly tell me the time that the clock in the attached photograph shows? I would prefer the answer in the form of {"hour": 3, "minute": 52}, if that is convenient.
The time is {"hour": 2, "minute": 15}
